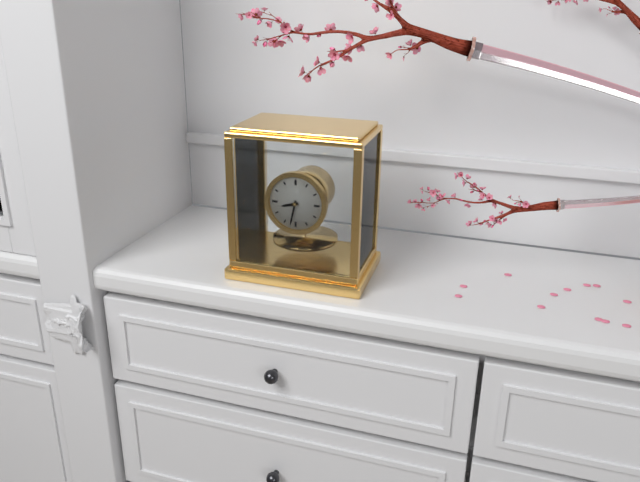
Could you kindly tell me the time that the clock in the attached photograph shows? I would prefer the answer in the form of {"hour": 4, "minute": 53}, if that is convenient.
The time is {"hour": 8, "minute": 32}
